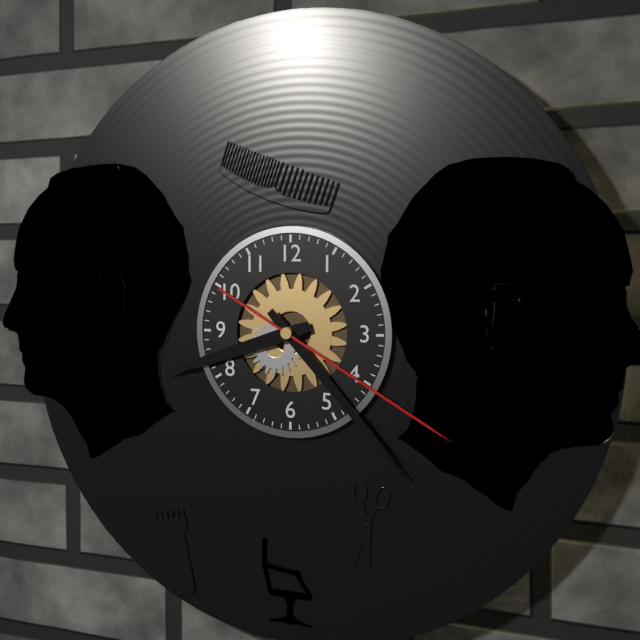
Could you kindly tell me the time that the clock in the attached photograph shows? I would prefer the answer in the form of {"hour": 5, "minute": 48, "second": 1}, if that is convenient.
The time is {"hour": 8, "minute": 23, "second": 20}
